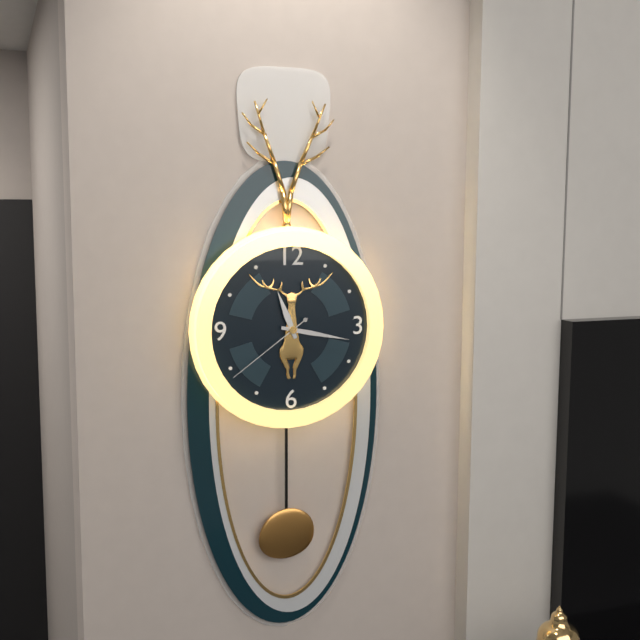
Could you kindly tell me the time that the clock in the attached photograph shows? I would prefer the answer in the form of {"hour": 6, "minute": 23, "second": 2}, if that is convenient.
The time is {"hour": 11, "minute": 17, "second": 39}
